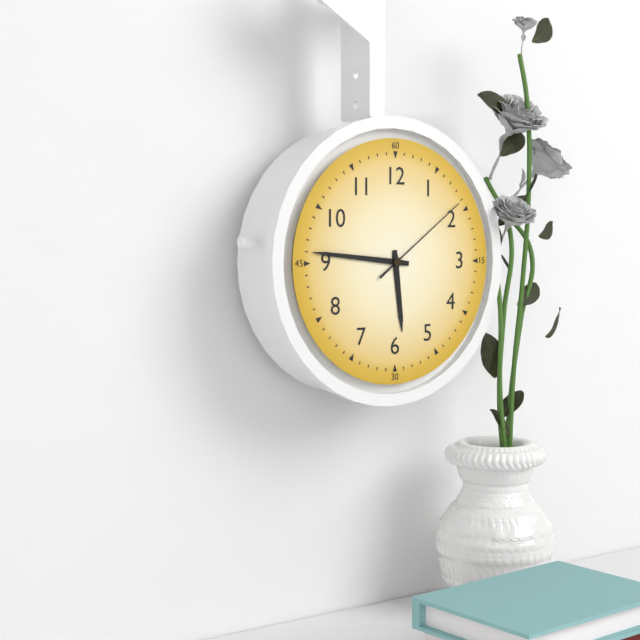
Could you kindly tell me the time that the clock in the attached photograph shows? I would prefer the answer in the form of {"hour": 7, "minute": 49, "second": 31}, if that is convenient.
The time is {"hour": 5, "minute": 46, "second": 9}
